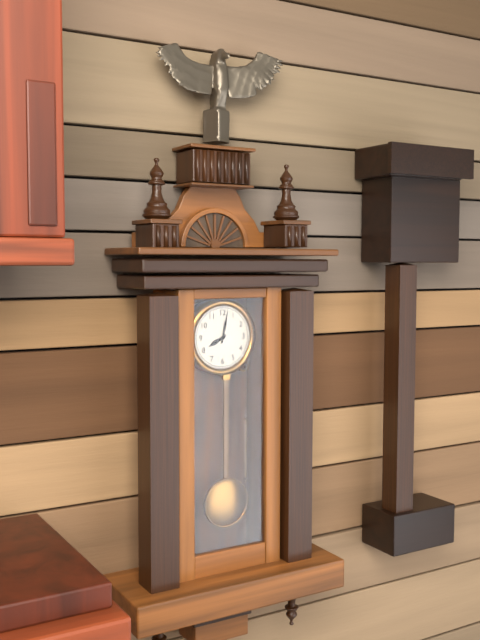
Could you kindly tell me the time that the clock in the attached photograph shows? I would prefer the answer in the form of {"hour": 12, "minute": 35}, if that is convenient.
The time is {"hour": 8, "minute": 2}
